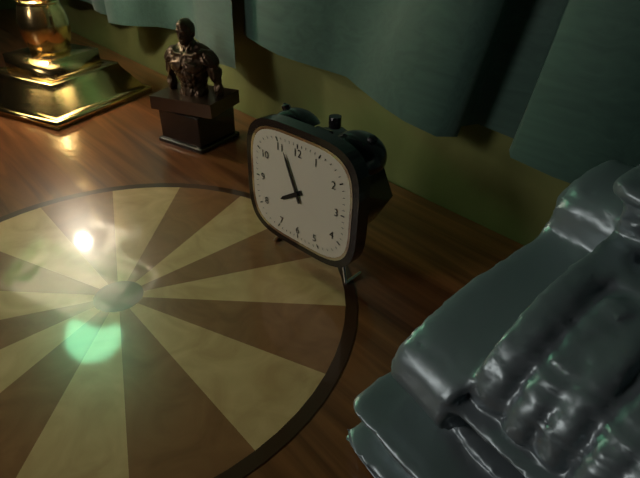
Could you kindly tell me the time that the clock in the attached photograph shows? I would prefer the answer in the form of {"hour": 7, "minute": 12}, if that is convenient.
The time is {"hour": 7, "minute": 56}
